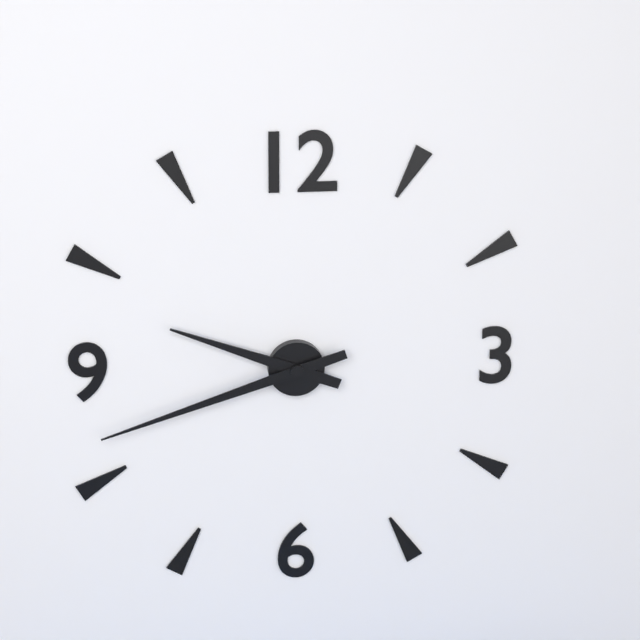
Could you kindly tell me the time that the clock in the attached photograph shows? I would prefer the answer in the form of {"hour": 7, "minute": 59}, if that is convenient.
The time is {"hour": 9, "minute": 42}
